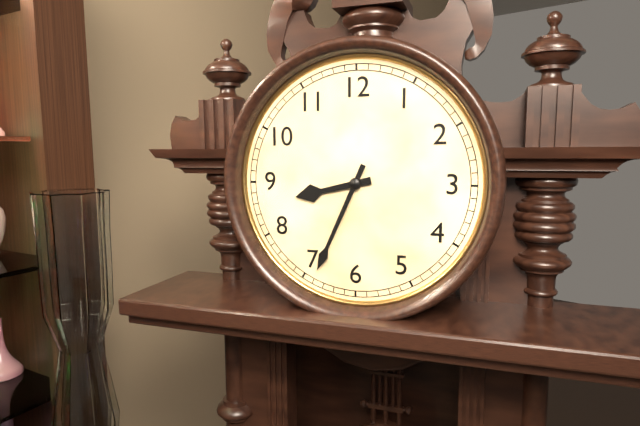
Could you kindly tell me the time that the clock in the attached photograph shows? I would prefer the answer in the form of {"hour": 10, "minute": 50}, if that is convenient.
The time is {"hour": 8, "minute": 34}
